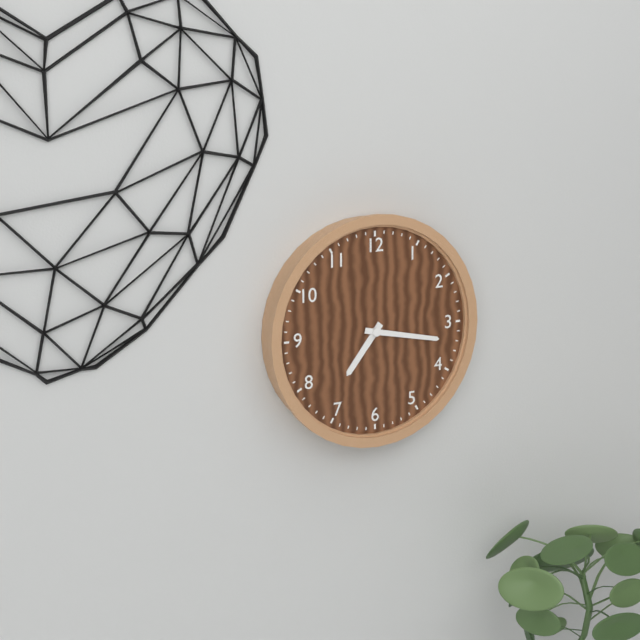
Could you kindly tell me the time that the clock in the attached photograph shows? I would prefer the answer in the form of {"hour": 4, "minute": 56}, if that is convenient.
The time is {"hour": 7, "minute": 17}
